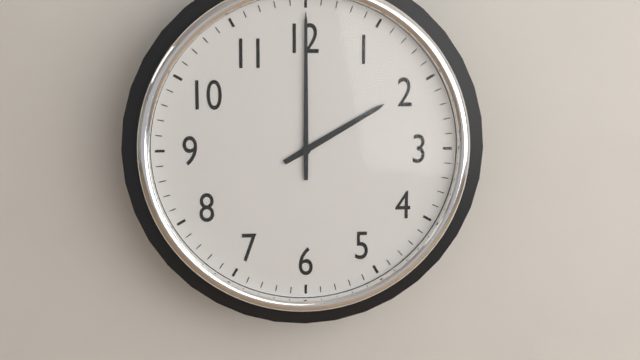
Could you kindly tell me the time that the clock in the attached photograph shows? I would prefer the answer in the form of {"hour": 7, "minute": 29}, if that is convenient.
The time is {"hour": 2, "minute": 0}
